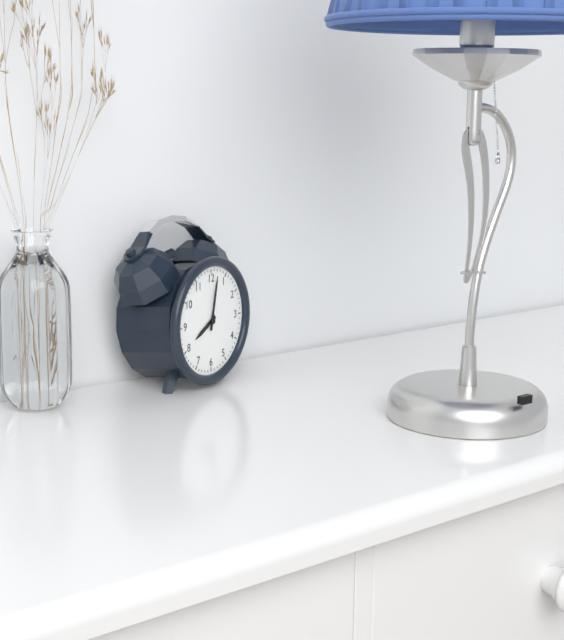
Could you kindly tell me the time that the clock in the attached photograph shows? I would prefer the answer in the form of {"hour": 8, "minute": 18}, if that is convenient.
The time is {"hour": 8, "minute": 2}
